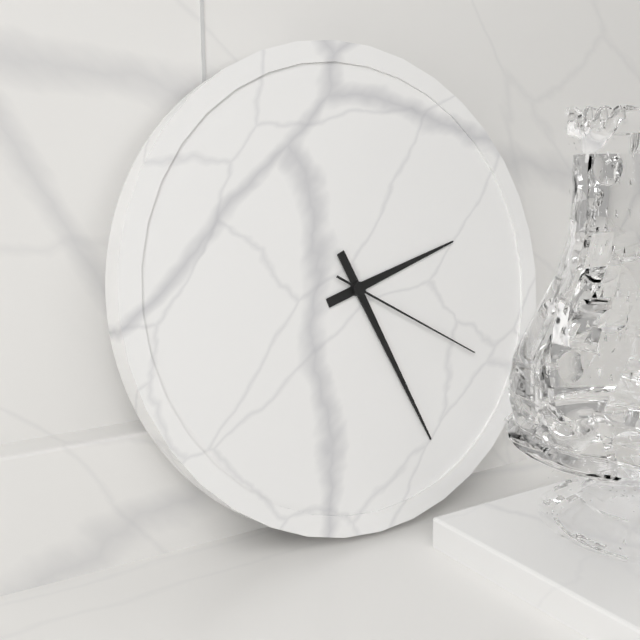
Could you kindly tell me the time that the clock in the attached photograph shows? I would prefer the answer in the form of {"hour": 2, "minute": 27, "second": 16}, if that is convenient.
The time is {"hour": 2, "minute": 26, "second": 20}
